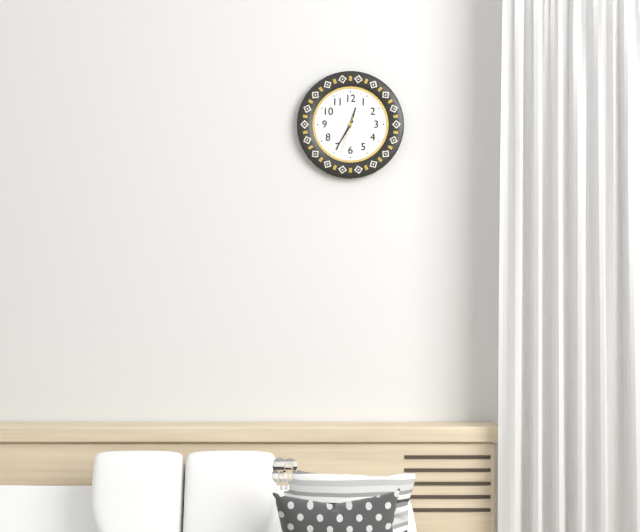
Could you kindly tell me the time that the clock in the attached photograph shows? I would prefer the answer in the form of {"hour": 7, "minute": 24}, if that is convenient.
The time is {"hour": 12, "minute": 35}
